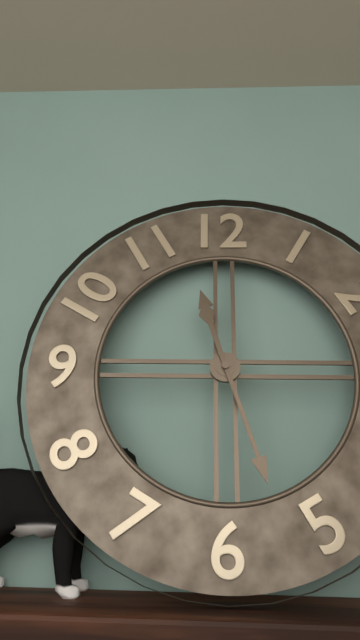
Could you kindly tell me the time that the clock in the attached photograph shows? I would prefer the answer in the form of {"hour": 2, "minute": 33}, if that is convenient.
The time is {"hour": 11, "minute": 27}
